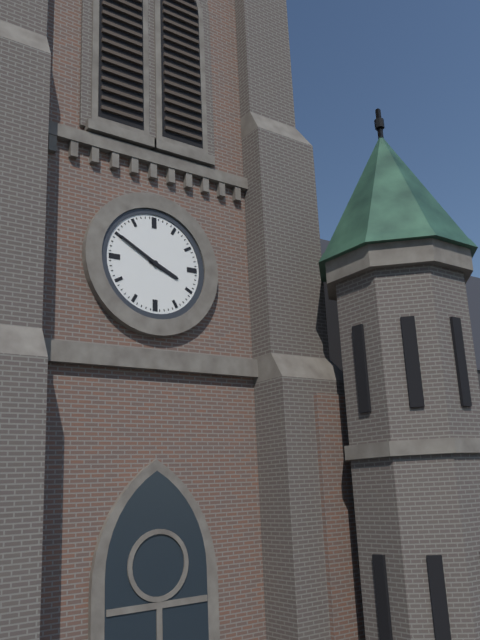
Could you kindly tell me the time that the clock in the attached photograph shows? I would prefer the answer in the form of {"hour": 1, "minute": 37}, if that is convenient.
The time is {"hour": 3, "minute": 50}
